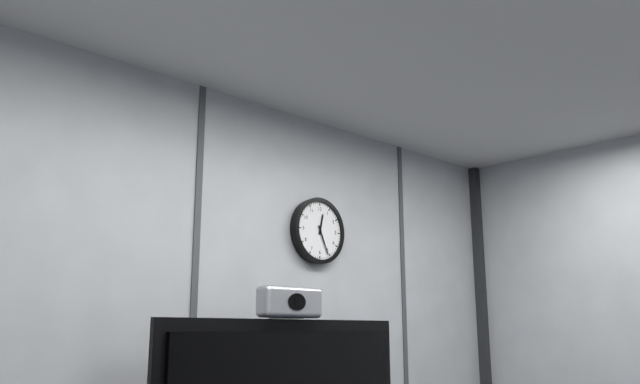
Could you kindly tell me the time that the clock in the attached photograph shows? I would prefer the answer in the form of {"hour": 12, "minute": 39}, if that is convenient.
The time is {"hour": 12, "minute": 26}
